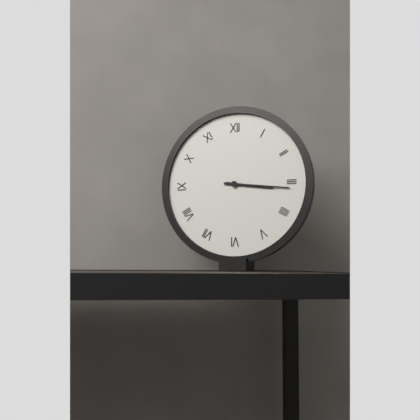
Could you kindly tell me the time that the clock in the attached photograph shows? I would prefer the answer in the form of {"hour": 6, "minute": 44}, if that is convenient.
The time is {"hour": 3, "minute": 16}
